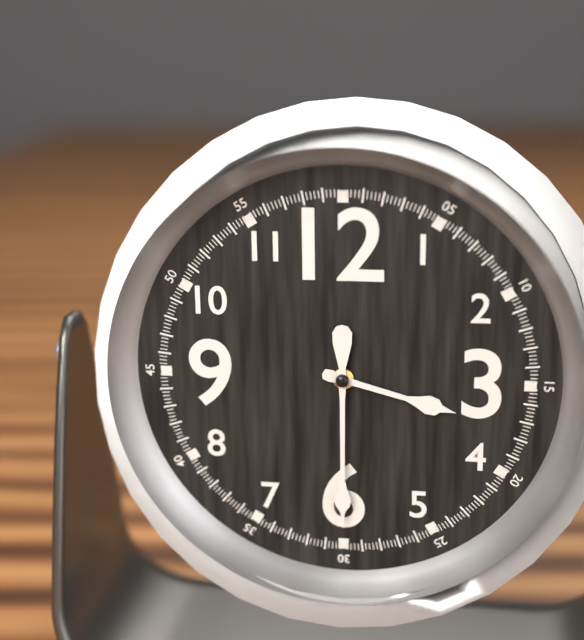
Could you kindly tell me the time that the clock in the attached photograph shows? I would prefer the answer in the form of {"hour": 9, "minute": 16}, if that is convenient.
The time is {"hour": 3, "minute": 30}
